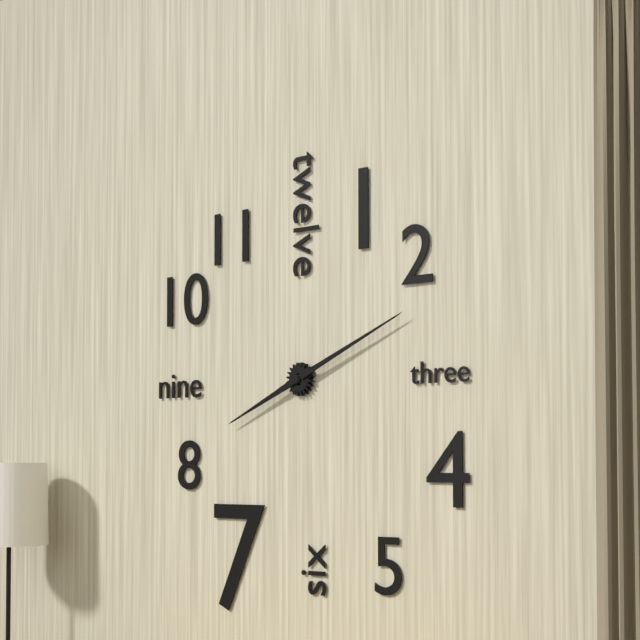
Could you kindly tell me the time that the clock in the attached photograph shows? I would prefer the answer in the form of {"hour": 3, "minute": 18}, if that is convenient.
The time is {"hour": 8, "minute": 11}
